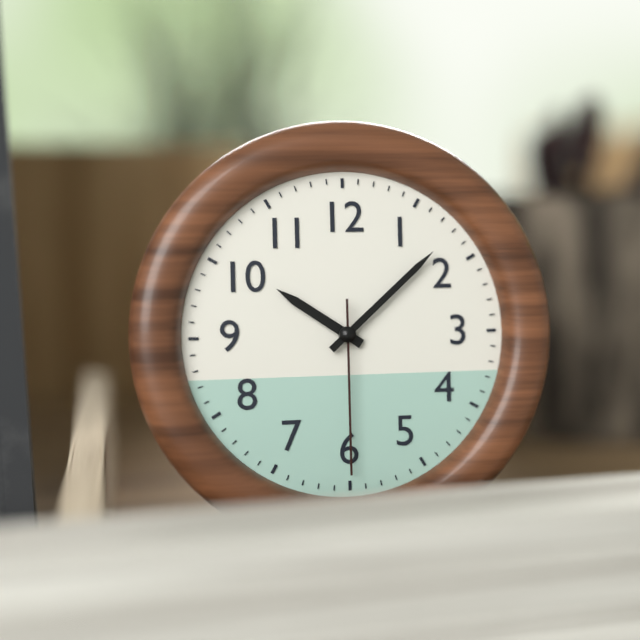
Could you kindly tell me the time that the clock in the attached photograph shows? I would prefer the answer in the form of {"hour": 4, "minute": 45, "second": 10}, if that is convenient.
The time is {"hour": 10, "minute": 8, "second": 30}
